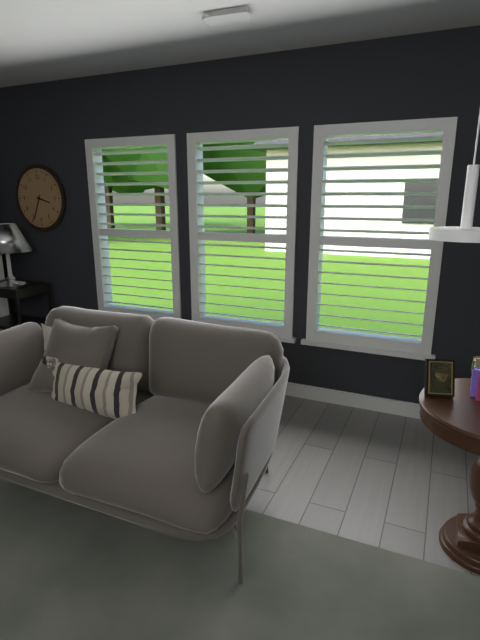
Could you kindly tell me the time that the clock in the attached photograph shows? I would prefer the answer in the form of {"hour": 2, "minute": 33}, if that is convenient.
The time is {"hour": 3, "minute": 34}
